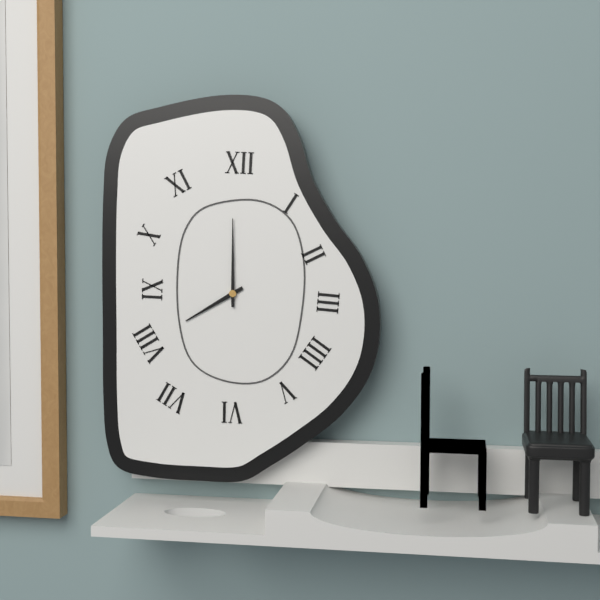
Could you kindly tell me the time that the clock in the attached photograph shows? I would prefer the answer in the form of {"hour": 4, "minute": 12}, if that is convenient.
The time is {"hour": 8, "minute": 0}
